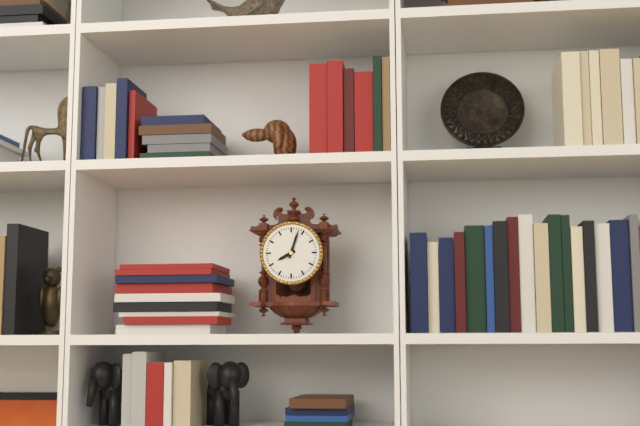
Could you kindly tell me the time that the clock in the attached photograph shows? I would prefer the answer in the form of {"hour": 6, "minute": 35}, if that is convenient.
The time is {"hour": 8, "minute": 3}
